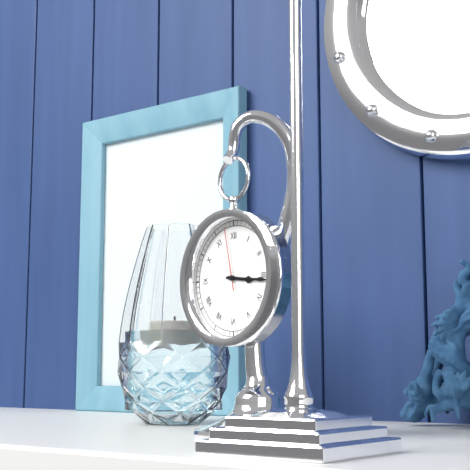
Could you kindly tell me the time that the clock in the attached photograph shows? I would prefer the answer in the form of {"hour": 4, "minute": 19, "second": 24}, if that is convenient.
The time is {"hour": 3, "minute": 16, "second": 58}
